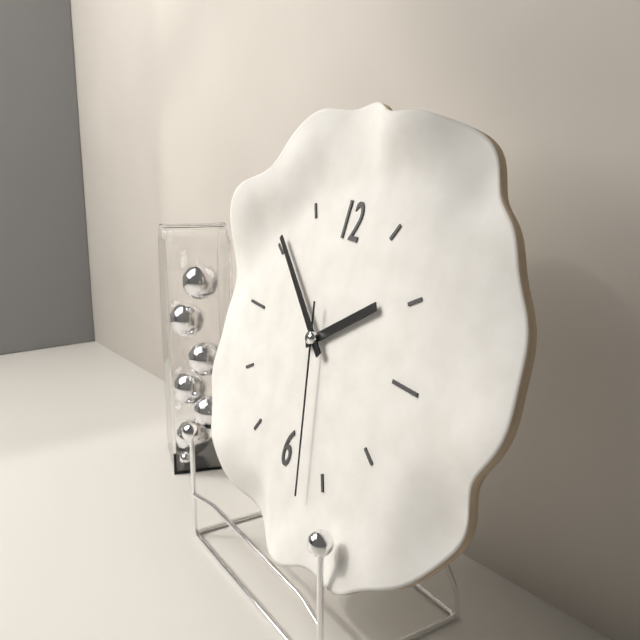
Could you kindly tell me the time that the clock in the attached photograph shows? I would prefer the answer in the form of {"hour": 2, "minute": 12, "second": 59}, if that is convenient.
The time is {"hour": 1, "minute": 51, "second": 27}
